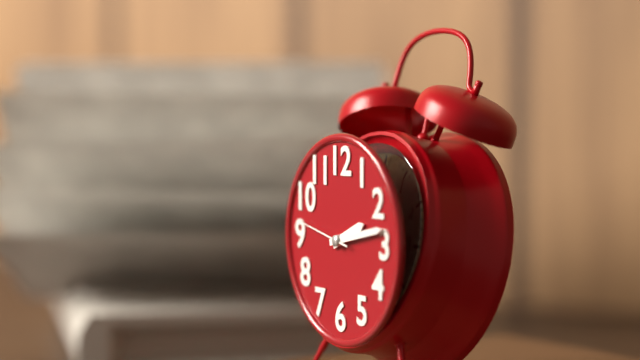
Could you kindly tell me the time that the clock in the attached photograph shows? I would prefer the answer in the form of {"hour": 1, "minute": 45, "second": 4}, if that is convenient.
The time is {"hour": 2, "minute": 13, "second": 47}
